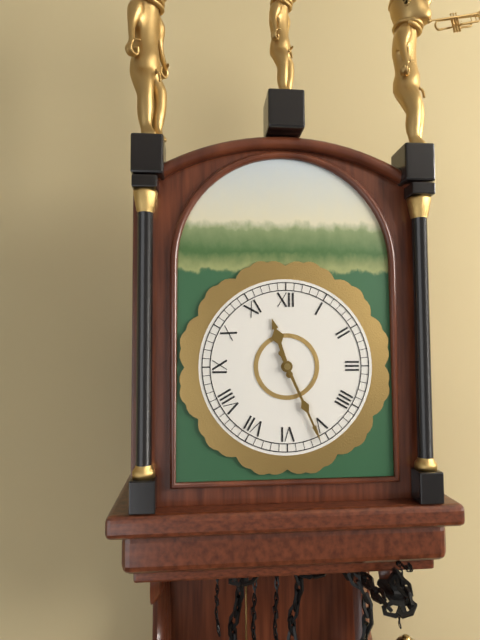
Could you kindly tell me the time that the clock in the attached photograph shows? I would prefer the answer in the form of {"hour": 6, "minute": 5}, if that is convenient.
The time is {"hour": 11, "minute": 26}
